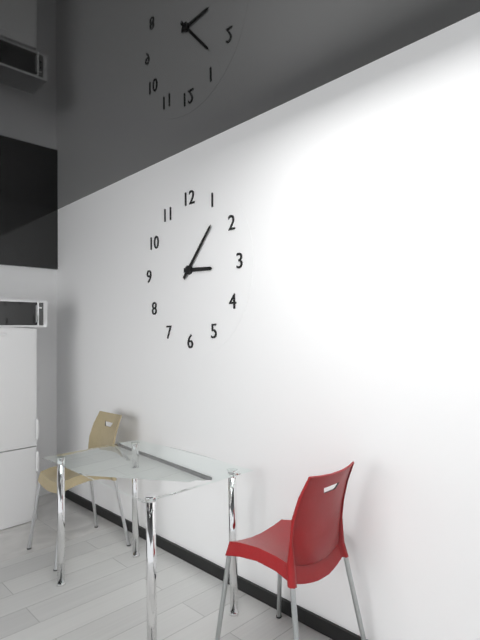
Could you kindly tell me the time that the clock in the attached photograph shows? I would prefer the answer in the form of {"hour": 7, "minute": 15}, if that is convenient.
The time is {"hour": 3, "minute": 7}
